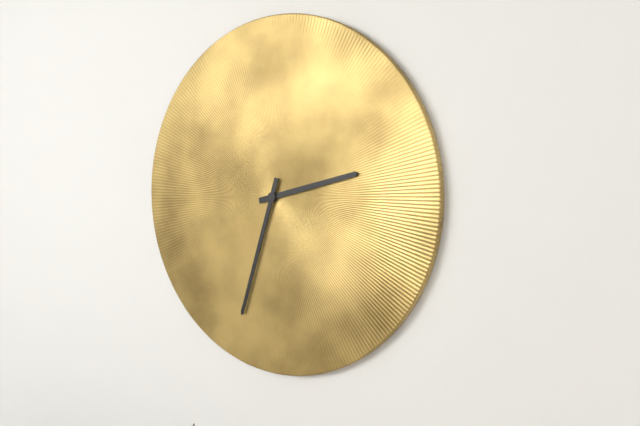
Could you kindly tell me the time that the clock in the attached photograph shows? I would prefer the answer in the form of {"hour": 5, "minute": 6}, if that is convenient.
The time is {"hour": 2, "minute": 33}
